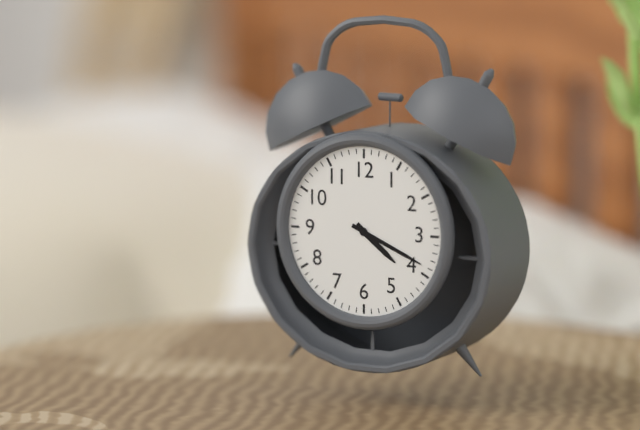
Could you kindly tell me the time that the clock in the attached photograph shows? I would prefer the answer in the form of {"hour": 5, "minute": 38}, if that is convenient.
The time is {"hour": 4, "minute": 19}
